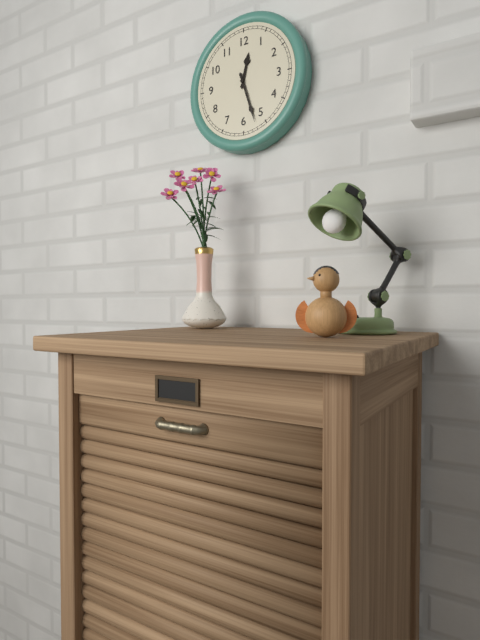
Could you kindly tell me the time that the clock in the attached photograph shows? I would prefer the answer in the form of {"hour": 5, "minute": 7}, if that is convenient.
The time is {"hour": 12, "minute": 27}
